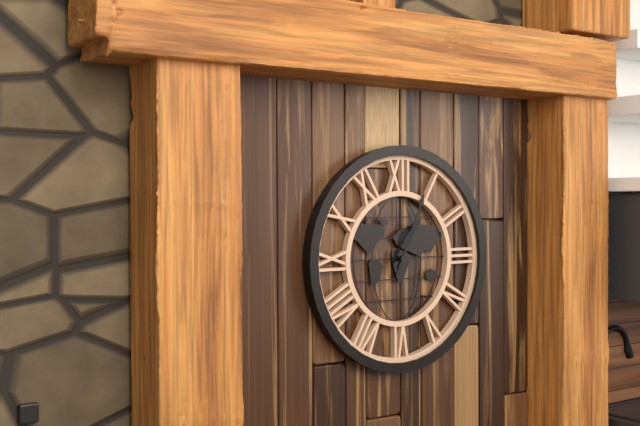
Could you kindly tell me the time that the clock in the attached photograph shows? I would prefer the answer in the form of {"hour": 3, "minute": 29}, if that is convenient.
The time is {"hour": 1, "minute": 4}
